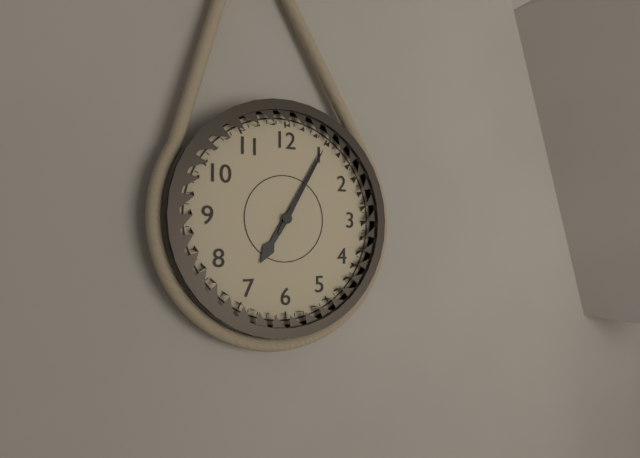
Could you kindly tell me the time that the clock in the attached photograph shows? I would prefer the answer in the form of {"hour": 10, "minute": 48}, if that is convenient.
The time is {"hour": 7, "minute": 5}
